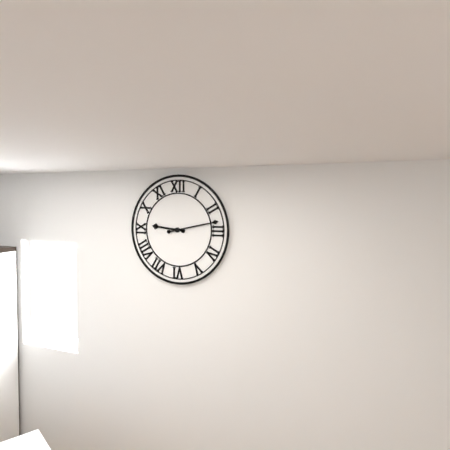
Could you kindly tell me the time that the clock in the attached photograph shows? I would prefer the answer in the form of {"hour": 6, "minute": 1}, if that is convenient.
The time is {"hour": 9, "minute": 13}
